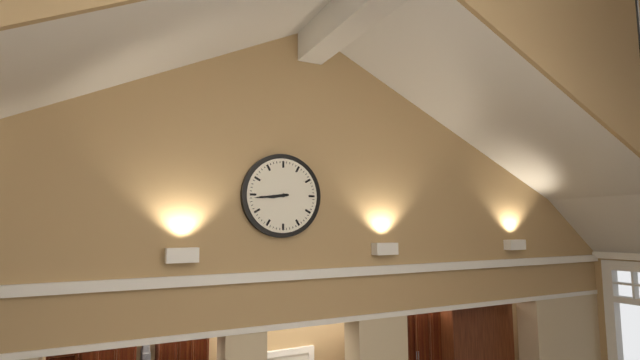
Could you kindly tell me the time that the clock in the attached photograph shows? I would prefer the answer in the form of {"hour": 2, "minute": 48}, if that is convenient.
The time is {"hour": 8, "minute": 44}
